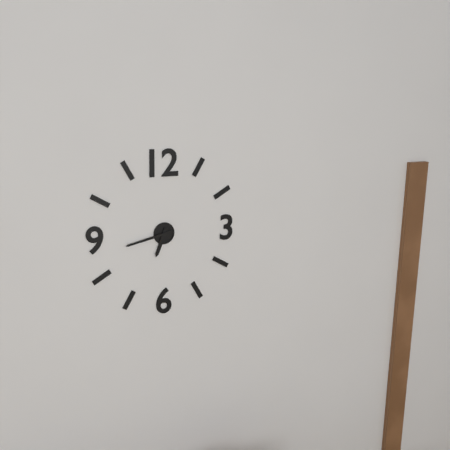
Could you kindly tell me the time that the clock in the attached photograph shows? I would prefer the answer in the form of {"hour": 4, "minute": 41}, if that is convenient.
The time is {"hour": 6, "minute": 43}
